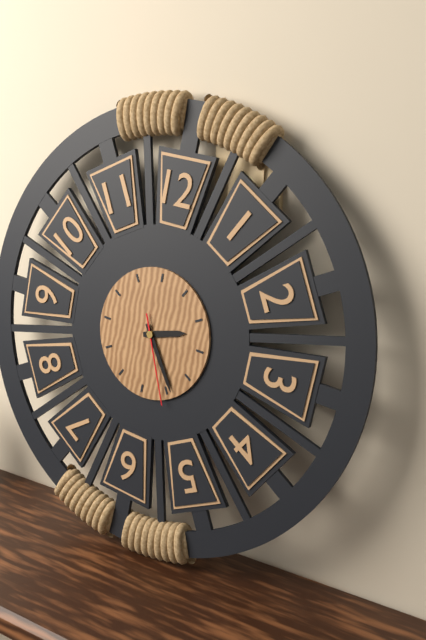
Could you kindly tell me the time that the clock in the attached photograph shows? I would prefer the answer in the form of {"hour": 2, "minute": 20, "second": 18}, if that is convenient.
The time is {"hour": 2, "minute": 24, "second": 26}
